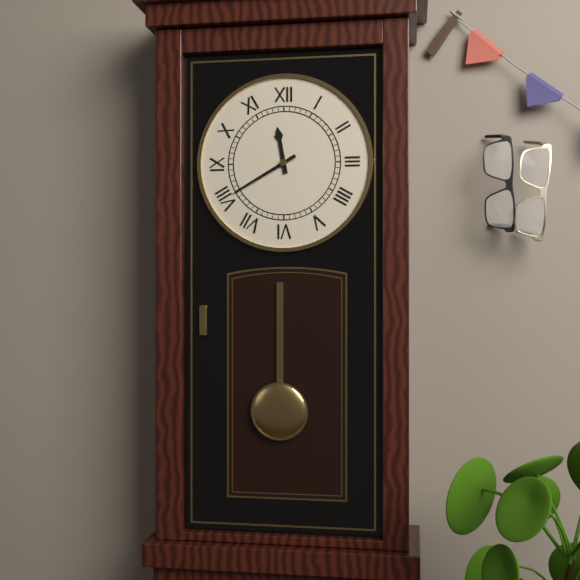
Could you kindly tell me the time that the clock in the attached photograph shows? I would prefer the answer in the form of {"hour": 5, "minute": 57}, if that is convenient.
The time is {"hour": 11, "minute": 40}
